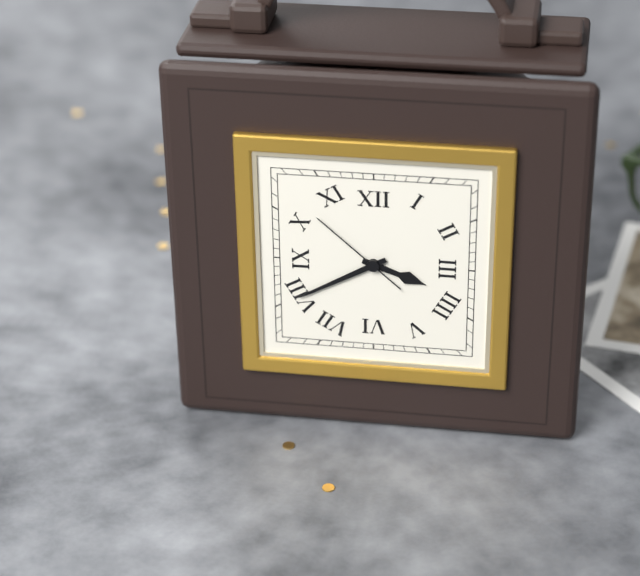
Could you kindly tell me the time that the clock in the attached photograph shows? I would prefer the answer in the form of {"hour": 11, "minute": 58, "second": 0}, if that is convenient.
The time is {"hour": 3, "minute": 40, "second": 52}
